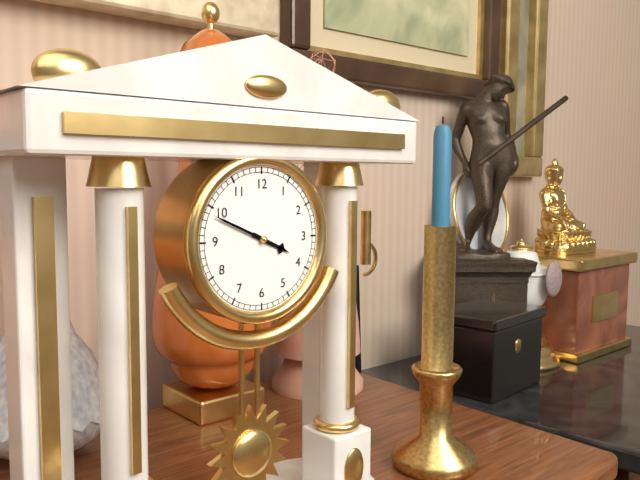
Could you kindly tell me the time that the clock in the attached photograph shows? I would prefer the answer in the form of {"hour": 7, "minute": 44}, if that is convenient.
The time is {"hour": 3, "minute": 49}
